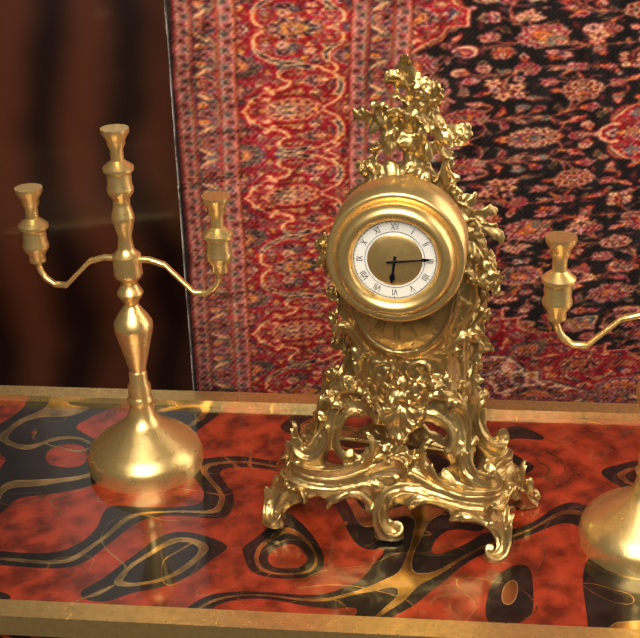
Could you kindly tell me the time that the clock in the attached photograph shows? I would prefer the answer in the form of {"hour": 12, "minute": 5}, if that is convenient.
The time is {"hour": 6, "minute": 14}
